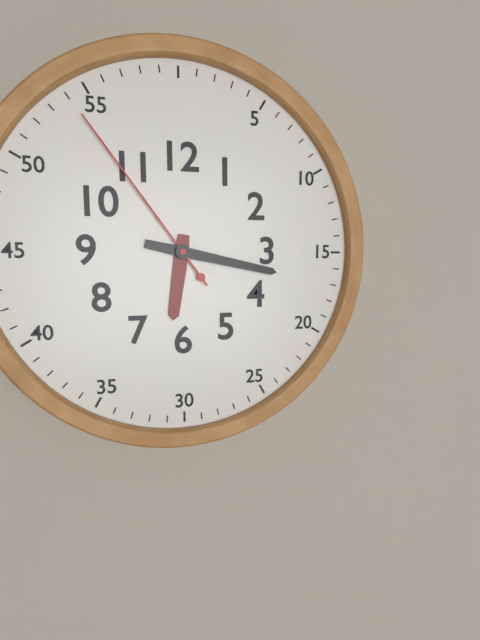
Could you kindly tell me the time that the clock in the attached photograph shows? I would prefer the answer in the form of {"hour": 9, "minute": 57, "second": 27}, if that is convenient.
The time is {"hour": 6, "minute": 17, "second": 54}
